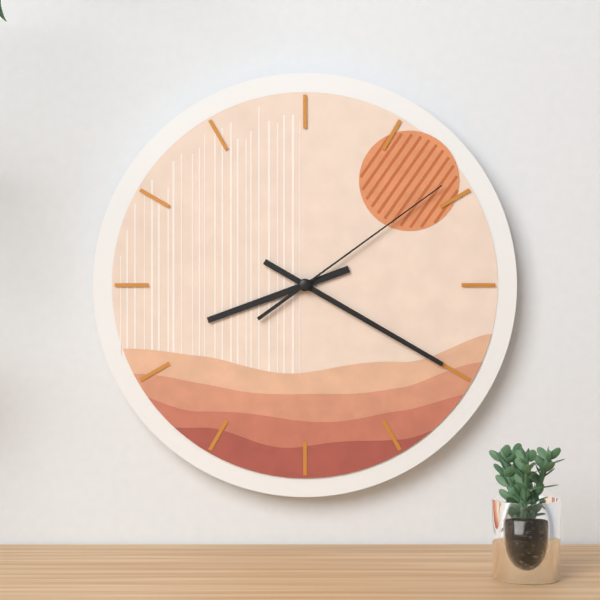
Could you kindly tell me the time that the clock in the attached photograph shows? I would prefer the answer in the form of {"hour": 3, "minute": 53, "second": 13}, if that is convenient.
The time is {"hour": 8, "minute": 20, "second": 9}
